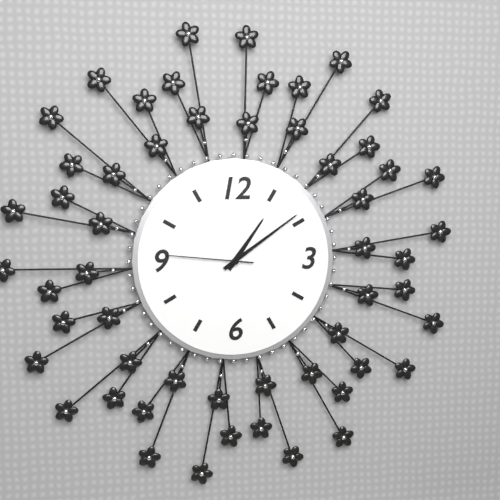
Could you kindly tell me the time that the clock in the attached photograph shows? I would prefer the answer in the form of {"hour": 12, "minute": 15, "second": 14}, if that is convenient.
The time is {"hour": 1, "minute": 9, "second": 46}
